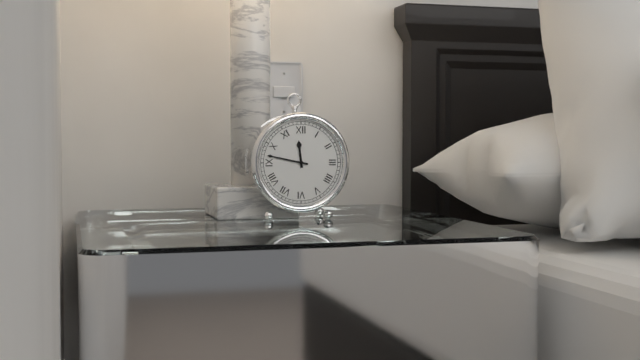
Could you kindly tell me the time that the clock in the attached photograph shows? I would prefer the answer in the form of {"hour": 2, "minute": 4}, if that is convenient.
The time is {"hour": 11, "minute": 47}
